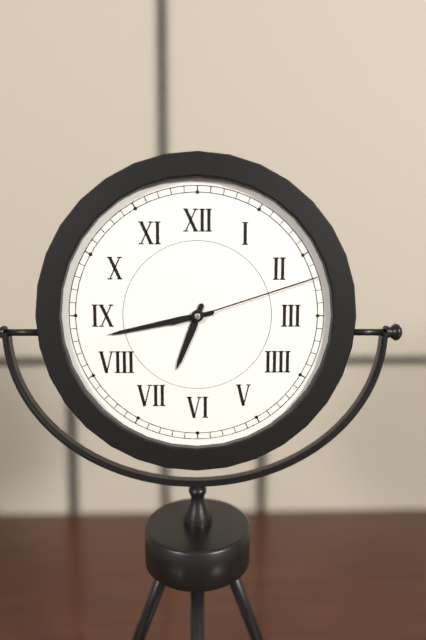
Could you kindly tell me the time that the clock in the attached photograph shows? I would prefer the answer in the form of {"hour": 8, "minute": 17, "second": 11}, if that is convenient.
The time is {"hour": 6, "minute": 43, "second": 12}
